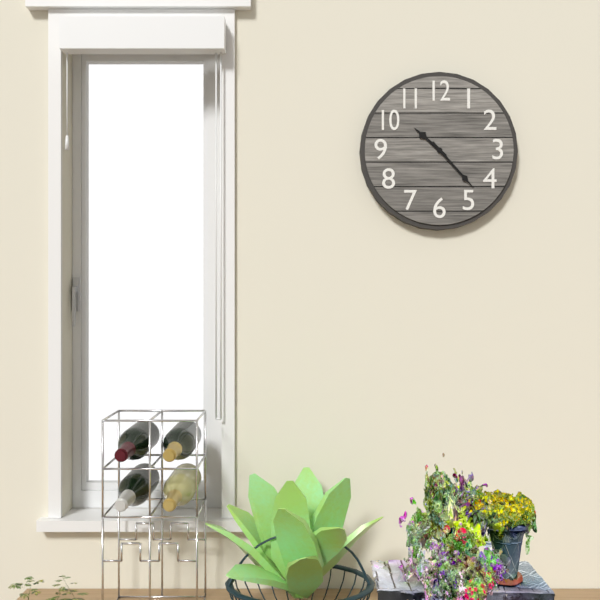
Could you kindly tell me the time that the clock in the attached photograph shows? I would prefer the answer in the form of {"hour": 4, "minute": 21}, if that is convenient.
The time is {"hour": 10, "minute": 23}
